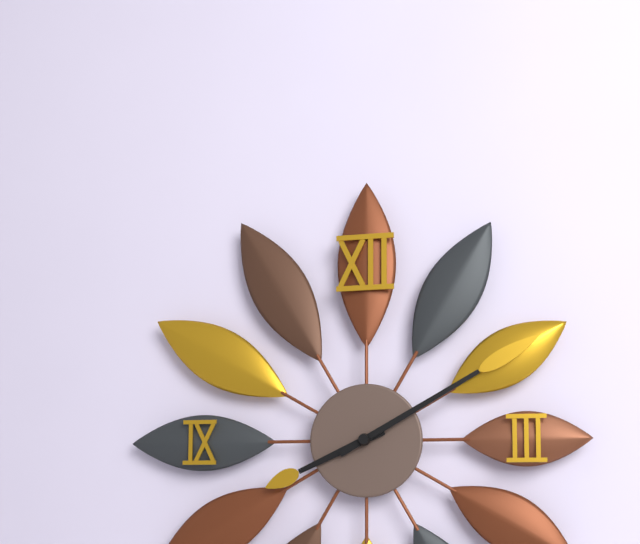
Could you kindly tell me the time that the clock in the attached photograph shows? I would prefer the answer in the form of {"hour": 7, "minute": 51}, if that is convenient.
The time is {"hour": 8, "minute": 10}
